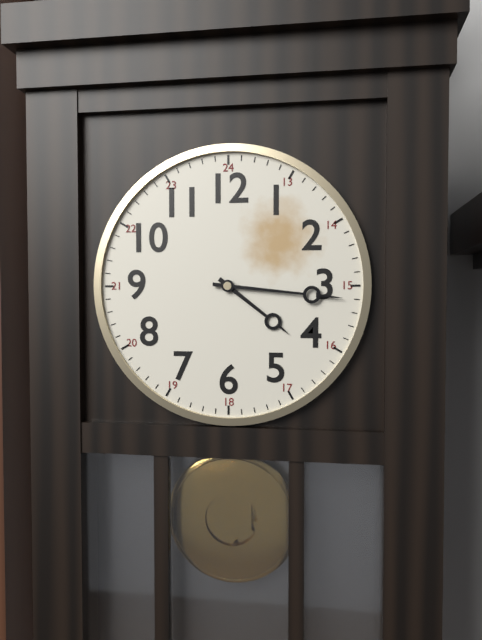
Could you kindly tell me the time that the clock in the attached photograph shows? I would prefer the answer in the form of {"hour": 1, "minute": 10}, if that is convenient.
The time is {"hour": 4, "minute": 16}
